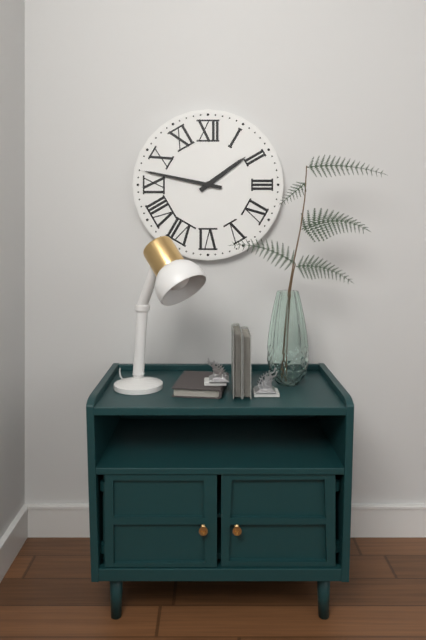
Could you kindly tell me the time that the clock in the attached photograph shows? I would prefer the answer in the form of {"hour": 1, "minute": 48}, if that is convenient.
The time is {"hour": 1, "minute": 47}
